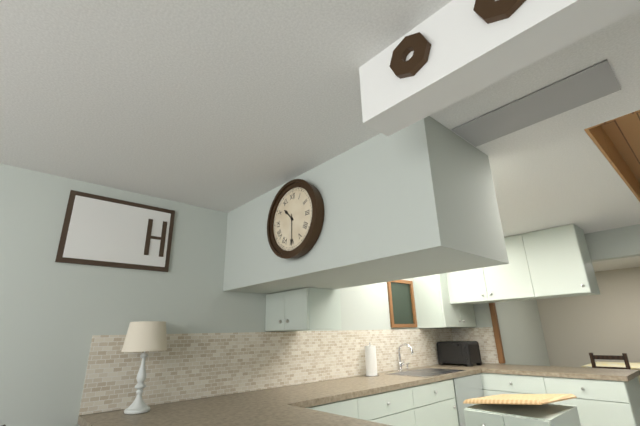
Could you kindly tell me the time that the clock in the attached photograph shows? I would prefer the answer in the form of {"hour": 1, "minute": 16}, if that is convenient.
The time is {"hour": 10, "minute": 30}
